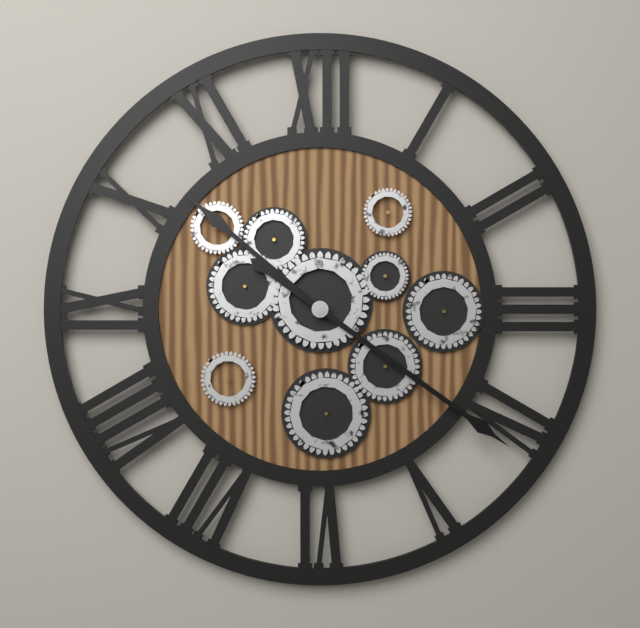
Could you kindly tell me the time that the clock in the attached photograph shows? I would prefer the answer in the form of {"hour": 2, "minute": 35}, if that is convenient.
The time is {"hour": 10, "minute": 21}
